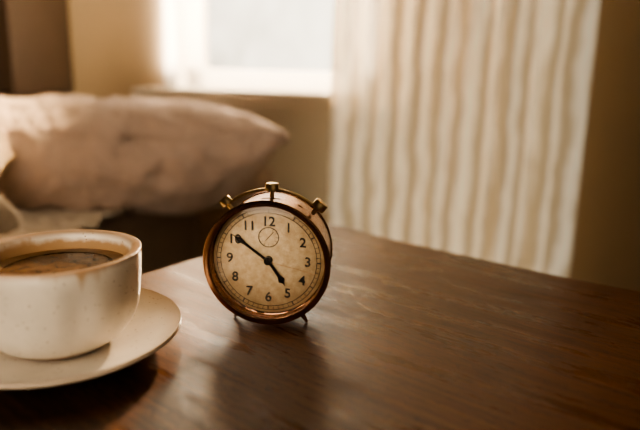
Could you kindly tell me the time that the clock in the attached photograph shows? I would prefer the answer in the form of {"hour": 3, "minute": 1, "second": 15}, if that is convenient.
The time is {"hour": 4, "minute": 51, "second": 17}
